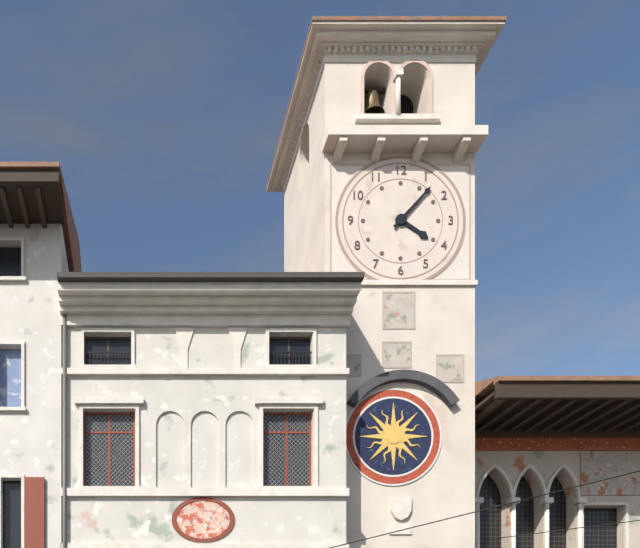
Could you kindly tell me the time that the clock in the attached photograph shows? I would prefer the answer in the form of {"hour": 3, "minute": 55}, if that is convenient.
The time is {"hour": 4, "minute": 7}
